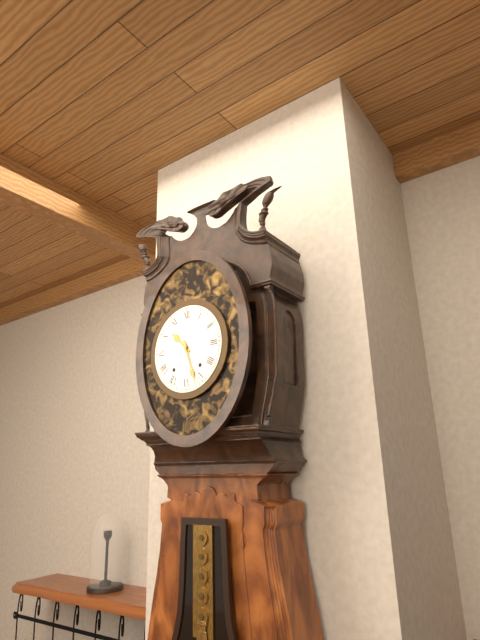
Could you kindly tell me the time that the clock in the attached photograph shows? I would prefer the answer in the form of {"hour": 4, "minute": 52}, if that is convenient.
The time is {"hour": 10, "minute": 27}
